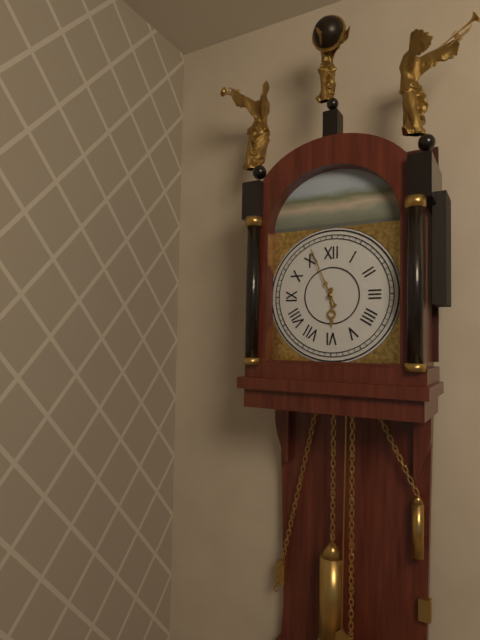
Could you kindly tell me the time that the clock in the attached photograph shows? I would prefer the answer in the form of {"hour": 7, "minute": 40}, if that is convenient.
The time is {"hour": 5, "minute": 56}
